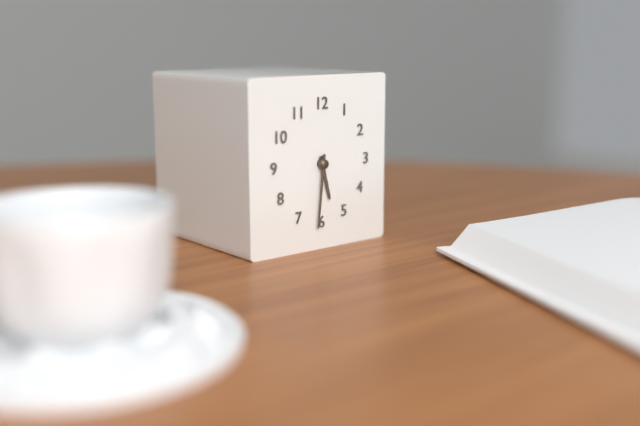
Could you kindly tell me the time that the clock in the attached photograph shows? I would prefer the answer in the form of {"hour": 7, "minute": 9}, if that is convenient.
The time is {"hour": 5, "minute": 31}
